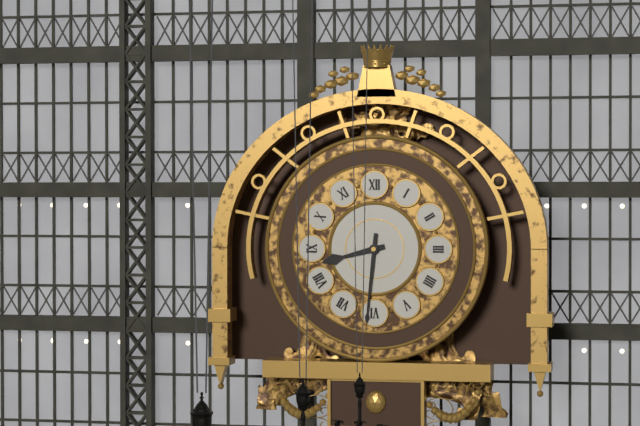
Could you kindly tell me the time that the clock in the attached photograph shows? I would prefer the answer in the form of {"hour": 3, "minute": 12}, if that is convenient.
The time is {"hour": 8, "minute": 31}
